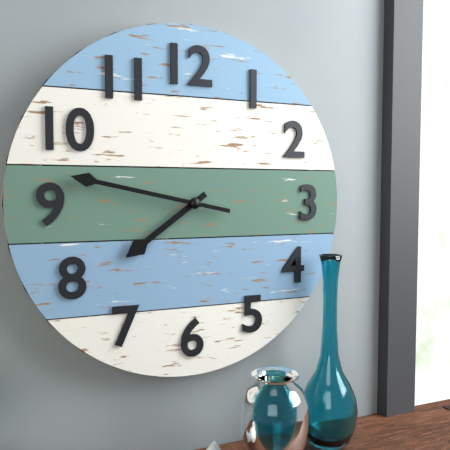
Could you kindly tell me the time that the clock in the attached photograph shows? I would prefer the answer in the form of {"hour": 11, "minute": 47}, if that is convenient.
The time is {"hour": 7, "minute": 47}
